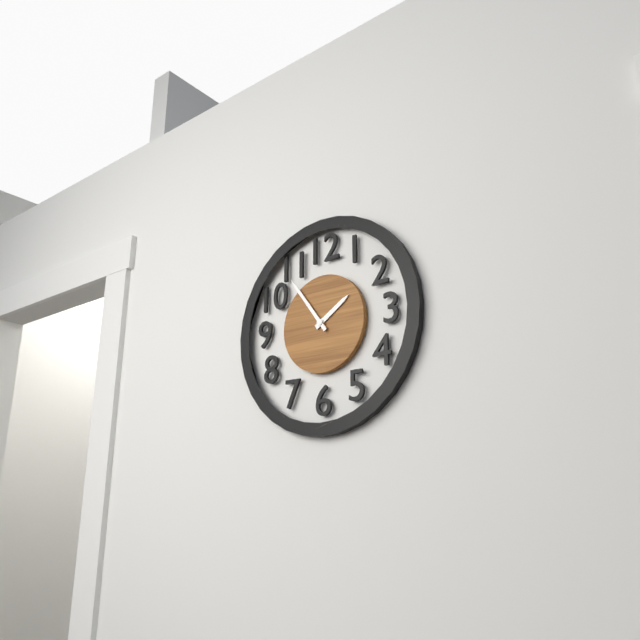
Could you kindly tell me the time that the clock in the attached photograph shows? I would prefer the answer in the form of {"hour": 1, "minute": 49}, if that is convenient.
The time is {"hour": 1, "minute": 54}
